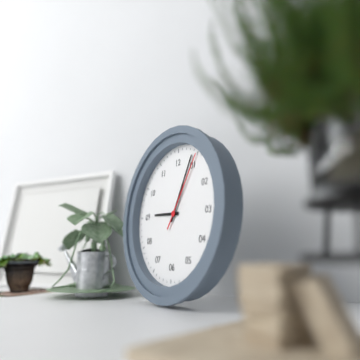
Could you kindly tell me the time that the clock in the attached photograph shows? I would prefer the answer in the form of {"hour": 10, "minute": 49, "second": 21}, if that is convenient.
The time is {"hour": 9, "minute": 4, "second": 5}
